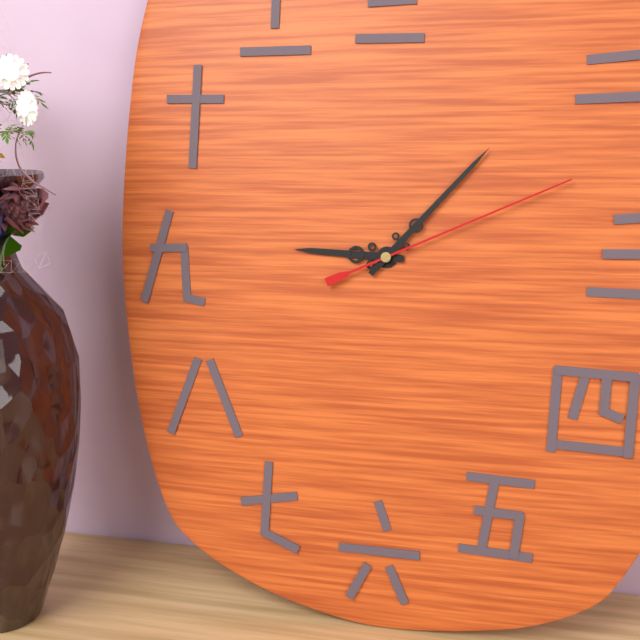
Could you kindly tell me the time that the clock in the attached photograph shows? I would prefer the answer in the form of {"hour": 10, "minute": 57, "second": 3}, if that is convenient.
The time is {"hour": 9, "minute": 7, "second": 11}
